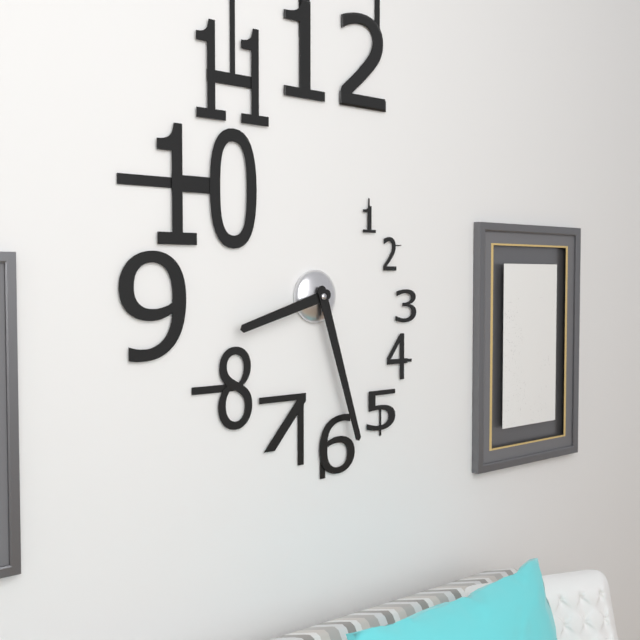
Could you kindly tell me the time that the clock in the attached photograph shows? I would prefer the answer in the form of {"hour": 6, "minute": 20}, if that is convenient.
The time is {"hour": 8, "minute": 27}
